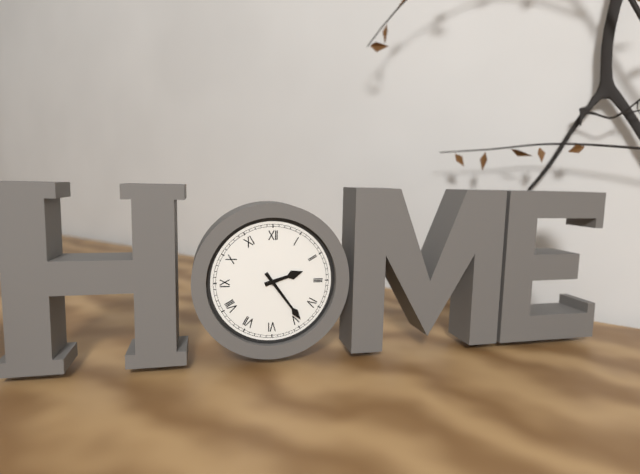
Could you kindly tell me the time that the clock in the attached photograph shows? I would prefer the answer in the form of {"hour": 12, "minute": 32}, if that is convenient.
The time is {"hour": 2, "minute": 24}
